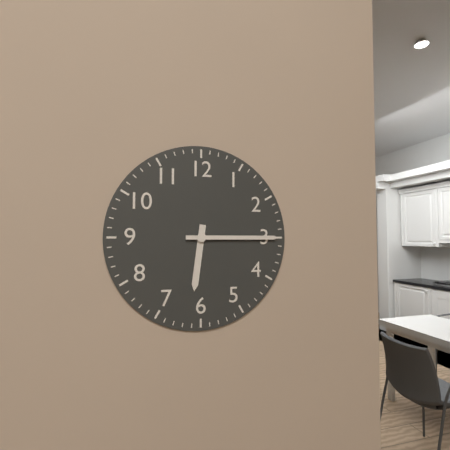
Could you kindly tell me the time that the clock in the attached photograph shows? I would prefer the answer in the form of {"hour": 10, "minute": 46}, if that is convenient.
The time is {"hour": 6, "minute": 15}
